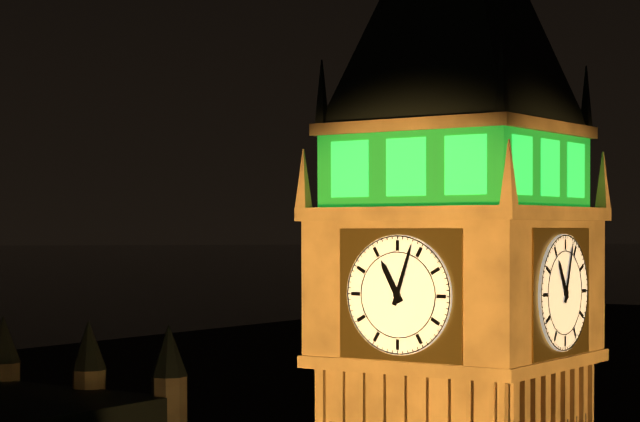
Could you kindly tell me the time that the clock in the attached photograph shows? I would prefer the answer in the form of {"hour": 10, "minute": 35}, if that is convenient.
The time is {"hour": 11, "minute": 3}
